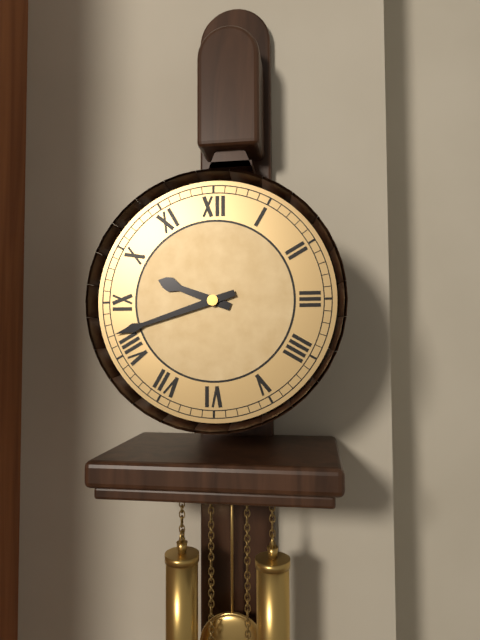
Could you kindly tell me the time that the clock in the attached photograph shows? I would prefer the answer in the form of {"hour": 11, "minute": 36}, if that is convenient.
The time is {"hour": 9, "minute": 42}
